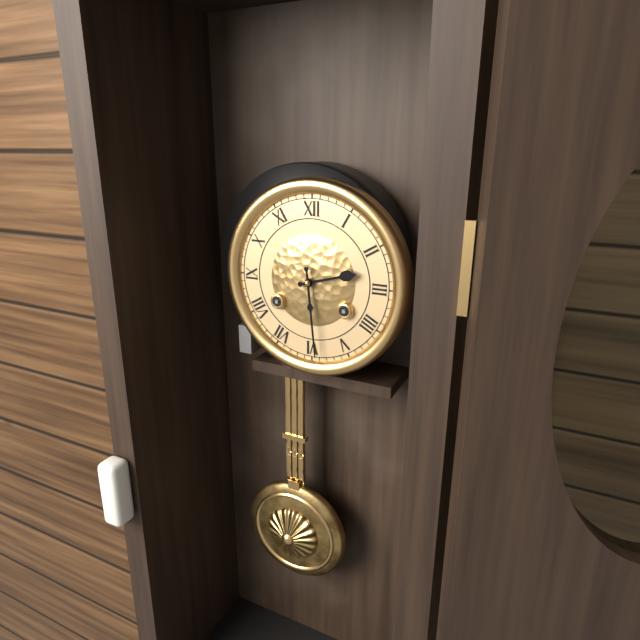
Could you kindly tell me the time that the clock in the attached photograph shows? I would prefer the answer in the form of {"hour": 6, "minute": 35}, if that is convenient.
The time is {"hour": 2, "minute": 29}
